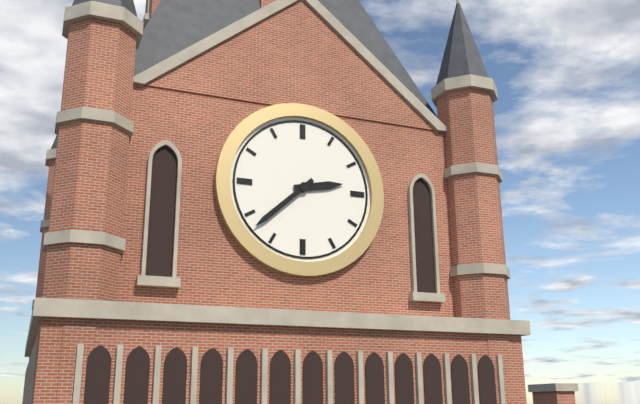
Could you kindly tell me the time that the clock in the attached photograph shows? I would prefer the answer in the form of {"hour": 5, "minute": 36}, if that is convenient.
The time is {"hour": 2, "minute": 38}
